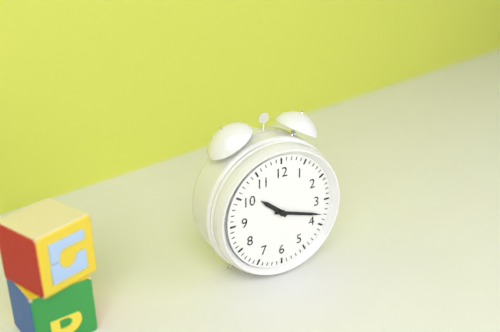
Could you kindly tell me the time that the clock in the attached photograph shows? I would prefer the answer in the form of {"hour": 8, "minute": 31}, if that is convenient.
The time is {"hour": 10, "minute": 18}
